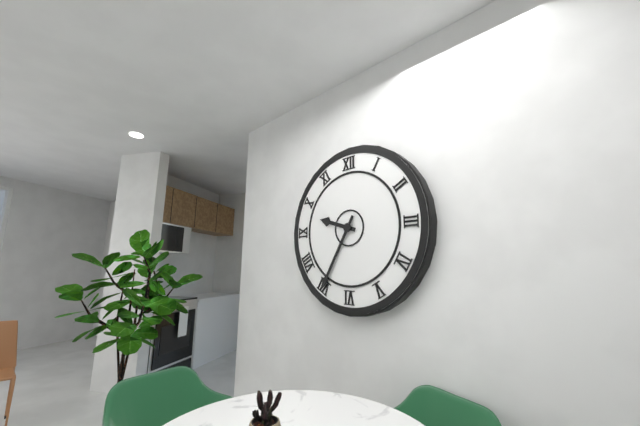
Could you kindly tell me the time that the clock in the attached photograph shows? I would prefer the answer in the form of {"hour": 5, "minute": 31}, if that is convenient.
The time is {"hour": 9, "minute": 35}
